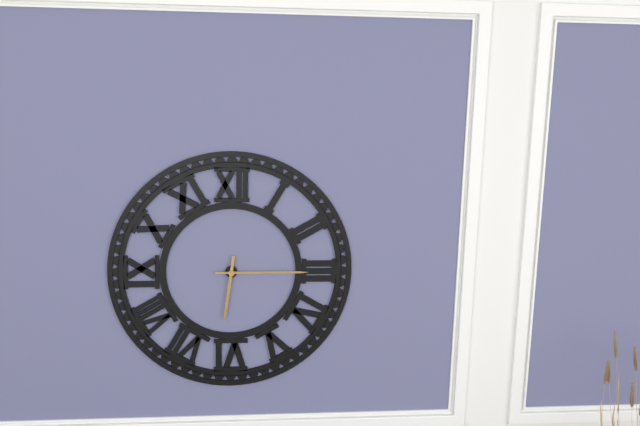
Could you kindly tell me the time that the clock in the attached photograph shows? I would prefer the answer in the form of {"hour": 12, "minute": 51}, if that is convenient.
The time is {"hour": 6, "minute": 15}
